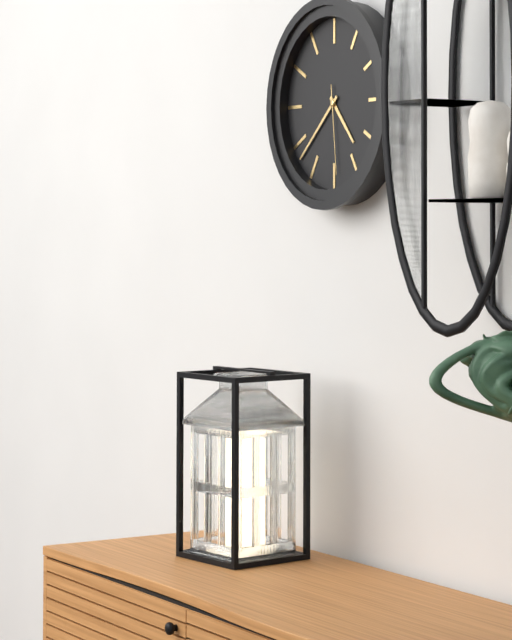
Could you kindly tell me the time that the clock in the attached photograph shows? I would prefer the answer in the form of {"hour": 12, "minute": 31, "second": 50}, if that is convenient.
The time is {"hour": 4, "minute": 38, "second": 29}
